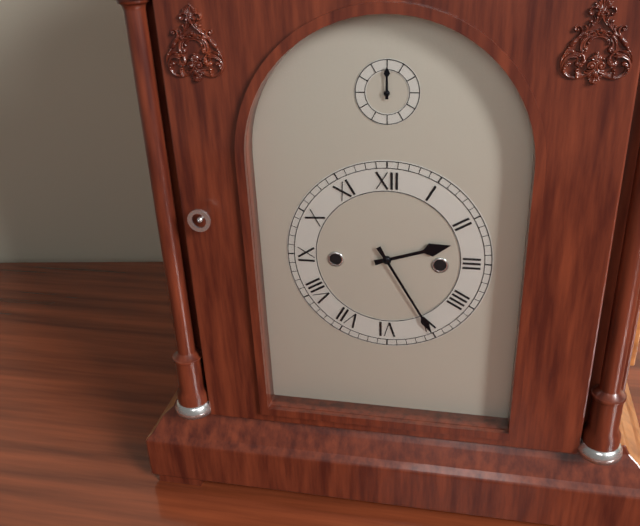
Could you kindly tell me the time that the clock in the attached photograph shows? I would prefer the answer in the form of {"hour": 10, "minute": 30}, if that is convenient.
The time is {"hour": 2, "minute": 25}
